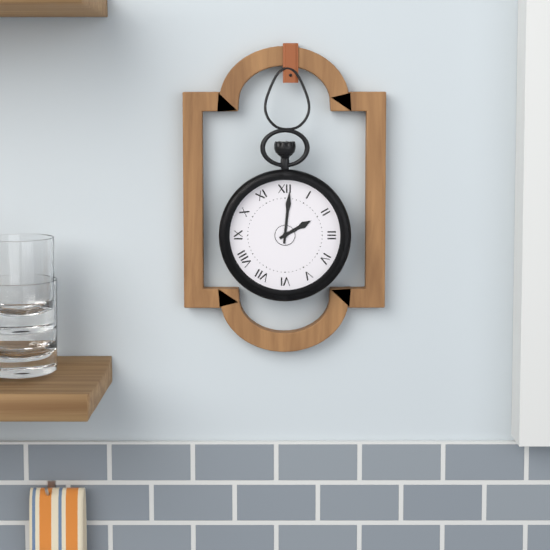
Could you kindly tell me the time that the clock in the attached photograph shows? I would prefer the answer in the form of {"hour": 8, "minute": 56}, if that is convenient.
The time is {"hour": 2, "minute": 1}
